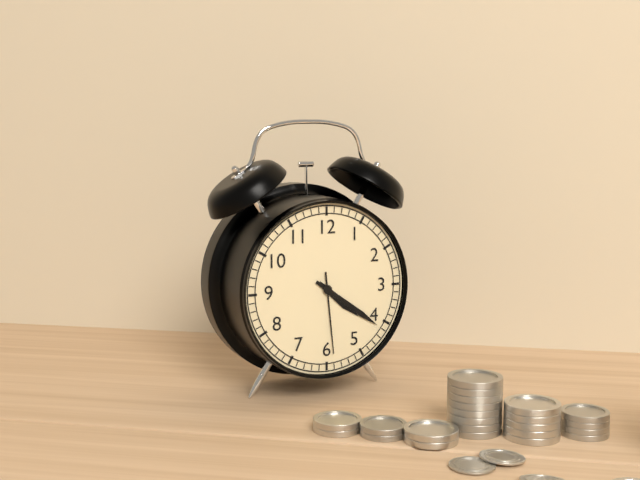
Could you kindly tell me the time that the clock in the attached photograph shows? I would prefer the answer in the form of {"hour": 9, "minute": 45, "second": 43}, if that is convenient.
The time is {"hour": 4, "minute": 21, "second": 29}
